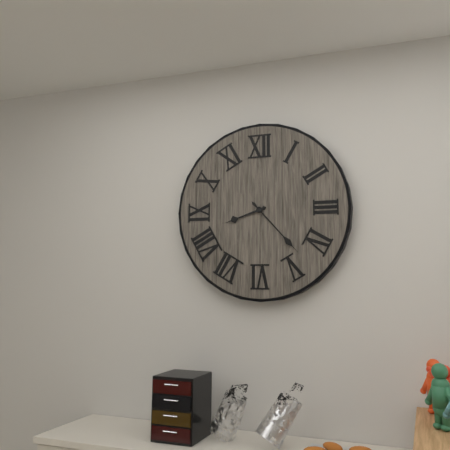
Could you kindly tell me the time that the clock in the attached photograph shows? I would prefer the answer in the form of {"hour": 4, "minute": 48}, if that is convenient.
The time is {"hour": 8, "minute": 23}
